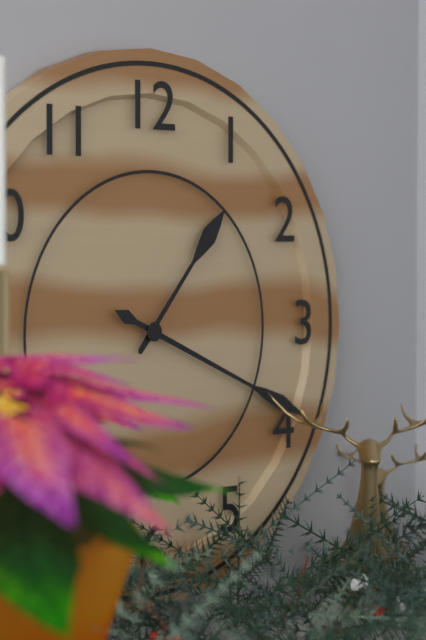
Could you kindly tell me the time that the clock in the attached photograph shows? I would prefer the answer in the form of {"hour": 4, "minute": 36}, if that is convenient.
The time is {"hour": 1, "minute": 19}
